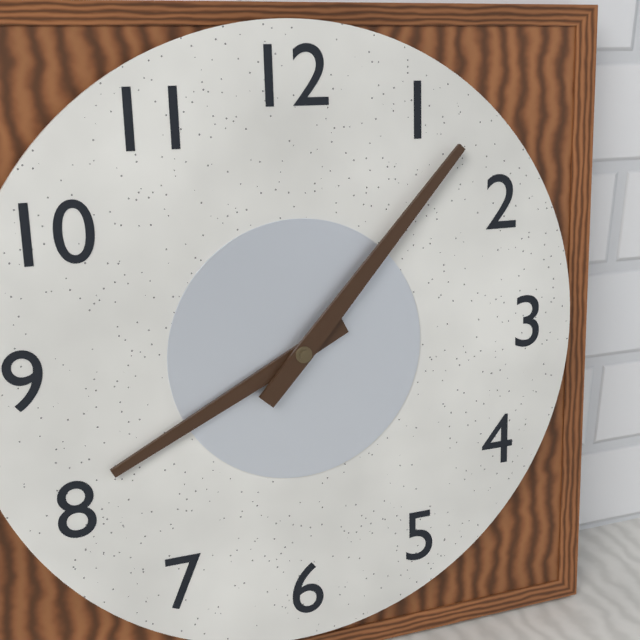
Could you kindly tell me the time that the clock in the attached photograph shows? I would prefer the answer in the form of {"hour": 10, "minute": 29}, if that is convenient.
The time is {"hour": 8, "minute": 7}
